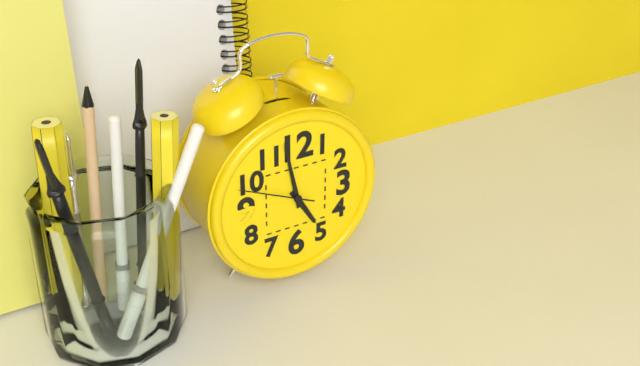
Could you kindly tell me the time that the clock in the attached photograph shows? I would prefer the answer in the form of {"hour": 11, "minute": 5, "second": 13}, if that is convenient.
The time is {"hour": 4, "minute": 58, "second": 49}
